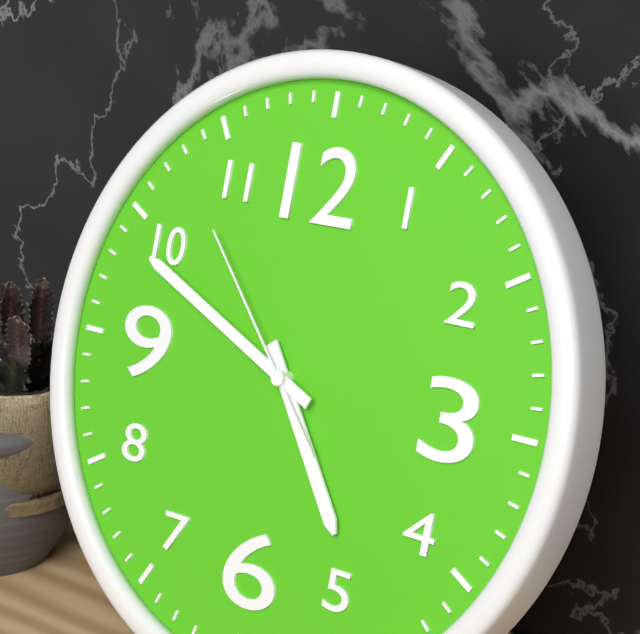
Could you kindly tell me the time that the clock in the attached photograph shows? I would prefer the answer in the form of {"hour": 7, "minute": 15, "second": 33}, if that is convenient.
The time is {"hour": 4, "minute": 49, "second": 53}
